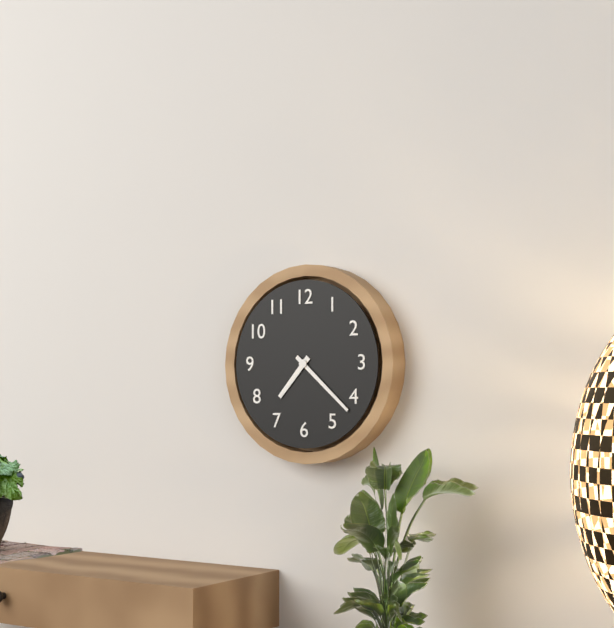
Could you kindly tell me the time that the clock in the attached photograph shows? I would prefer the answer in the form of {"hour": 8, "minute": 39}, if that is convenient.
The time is {"hour": 7, "minute": 22}
